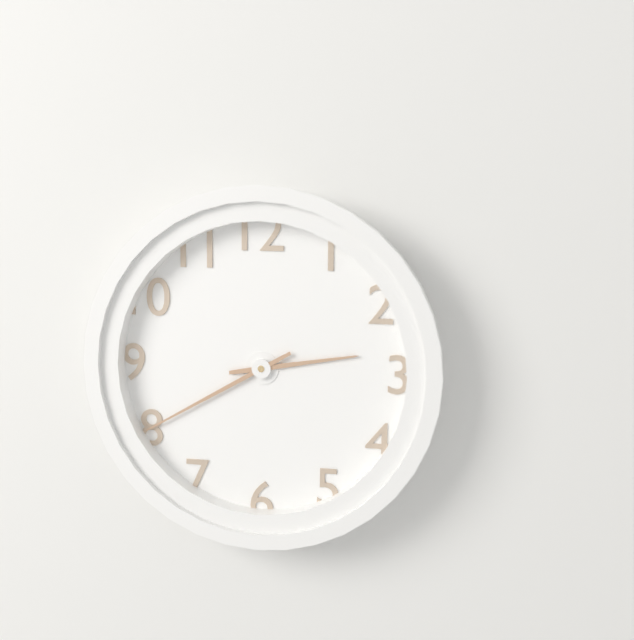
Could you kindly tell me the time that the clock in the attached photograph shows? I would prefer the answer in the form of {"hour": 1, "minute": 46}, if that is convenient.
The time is {"hour": 2, "minute": 40}
